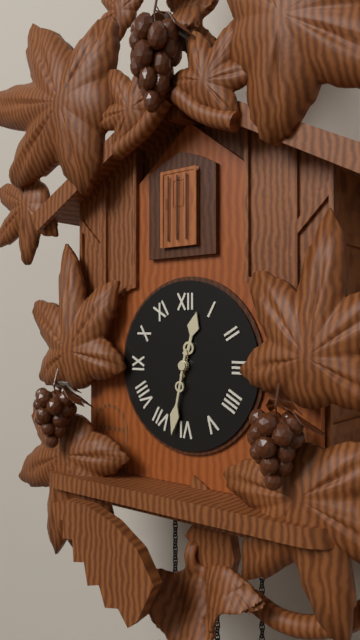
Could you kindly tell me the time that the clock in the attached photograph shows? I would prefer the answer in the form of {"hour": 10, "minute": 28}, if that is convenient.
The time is {"hour": 12, "minute": 32}
